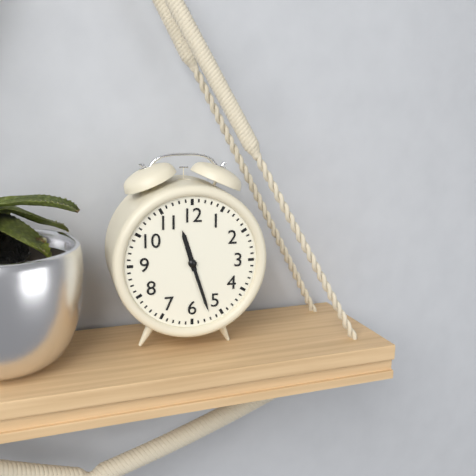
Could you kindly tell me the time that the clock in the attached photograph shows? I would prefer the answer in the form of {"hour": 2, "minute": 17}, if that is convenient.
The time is {"hour": 11, "minute": 27}
